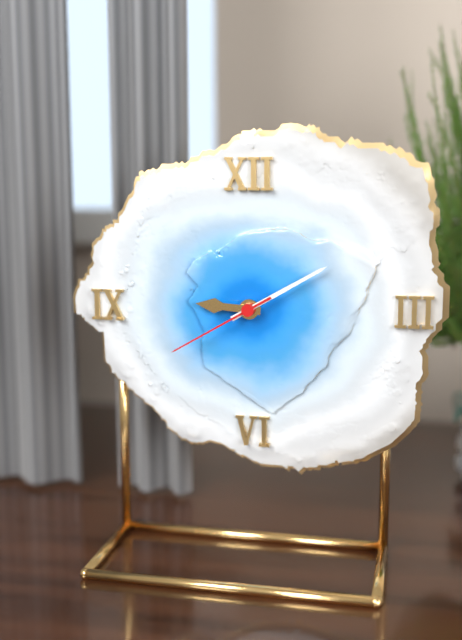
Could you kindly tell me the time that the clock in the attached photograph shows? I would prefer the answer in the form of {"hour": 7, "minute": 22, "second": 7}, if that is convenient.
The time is {"hour": 9, "minute": 10, "second": 40}
